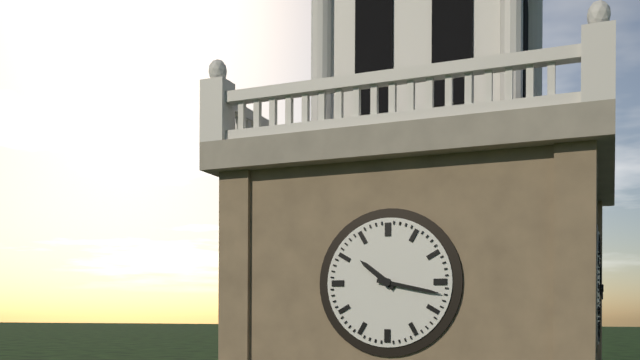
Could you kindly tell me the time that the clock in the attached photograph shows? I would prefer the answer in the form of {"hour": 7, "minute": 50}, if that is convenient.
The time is {"hour": 10, "minute": 17}
